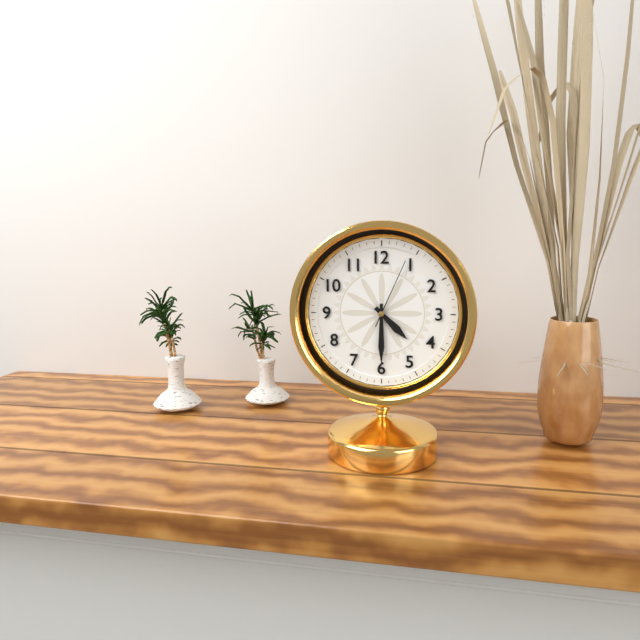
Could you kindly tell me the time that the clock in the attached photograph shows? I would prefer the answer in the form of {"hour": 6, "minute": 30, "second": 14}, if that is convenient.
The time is {"hour": 4, "minute": 30, "second": 4}
